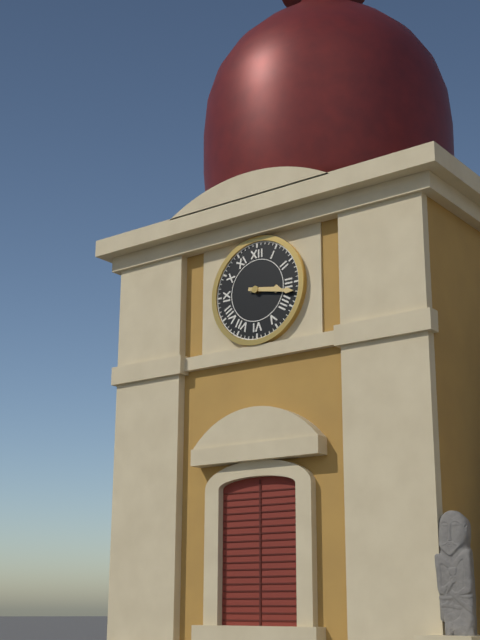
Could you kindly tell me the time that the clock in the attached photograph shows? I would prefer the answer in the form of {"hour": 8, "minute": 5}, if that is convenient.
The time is {"hour": 3, "minute": 17}
